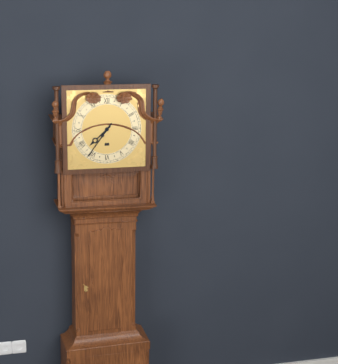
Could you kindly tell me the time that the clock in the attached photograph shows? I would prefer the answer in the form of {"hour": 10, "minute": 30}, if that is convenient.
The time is {"hour": 7, "minute": 36}
